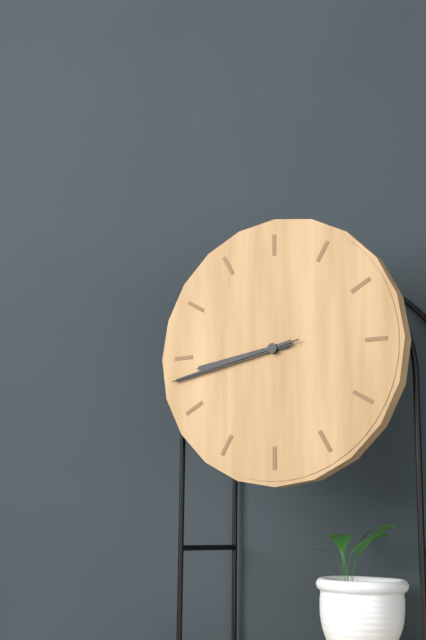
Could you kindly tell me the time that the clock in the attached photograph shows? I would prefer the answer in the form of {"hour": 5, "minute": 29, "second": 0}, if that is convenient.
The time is {"hour": 8, "minute": 43, "second": 43}
